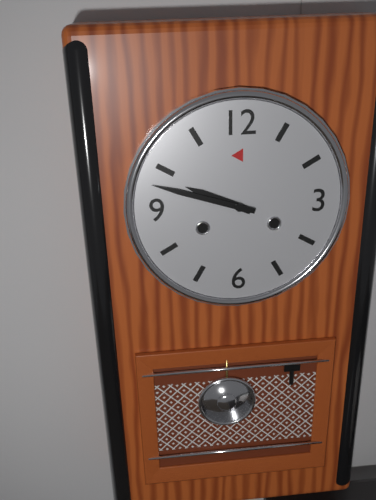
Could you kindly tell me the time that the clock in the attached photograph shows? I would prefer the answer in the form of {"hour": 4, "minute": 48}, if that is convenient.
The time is {"hour": 9, "minute": 48}
